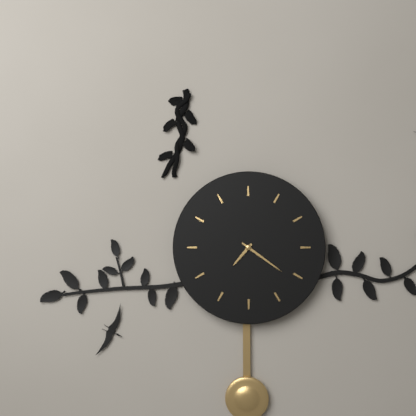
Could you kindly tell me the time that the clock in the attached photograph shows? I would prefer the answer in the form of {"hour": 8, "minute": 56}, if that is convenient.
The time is {"hour": 7, "minute": 21}
